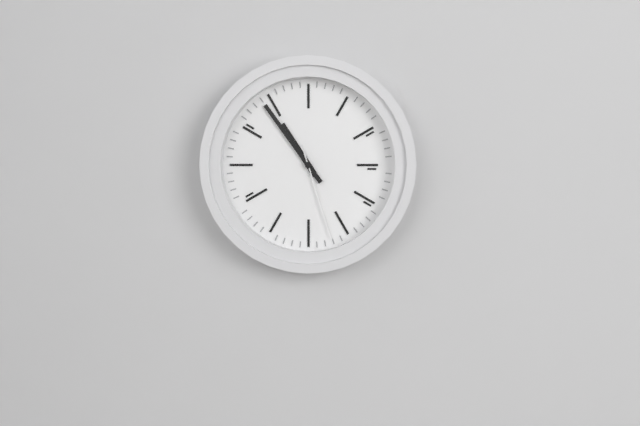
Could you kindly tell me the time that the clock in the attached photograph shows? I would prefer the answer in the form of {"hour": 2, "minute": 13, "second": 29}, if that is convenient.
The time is {"hour": 10, "minute": 54, "second": 27}
